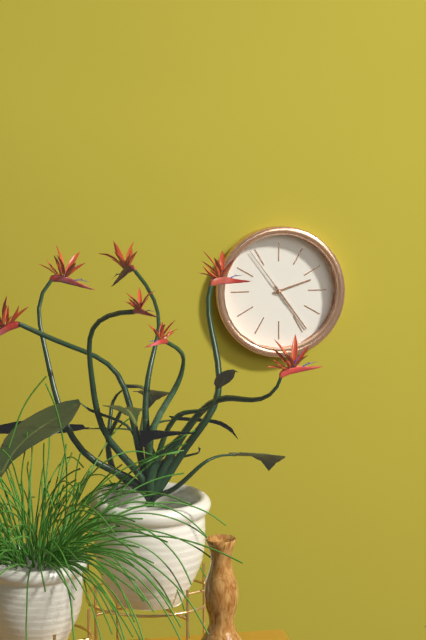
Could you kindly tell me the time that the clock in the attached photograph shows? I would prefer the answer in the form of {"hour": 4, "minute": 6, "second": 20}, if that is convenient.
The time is {"hour": 2, "minute": 24, "second": 54}
